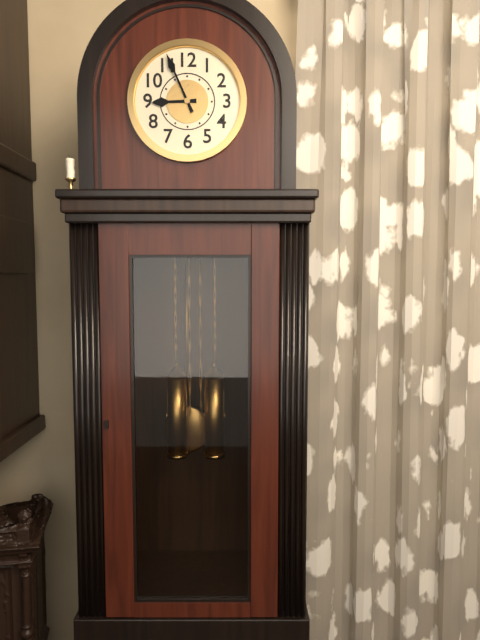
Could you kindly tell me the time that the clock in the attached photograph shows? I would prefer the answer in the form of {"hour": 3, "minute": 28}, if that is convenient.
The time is {"hour": 8, "minute": 56}
